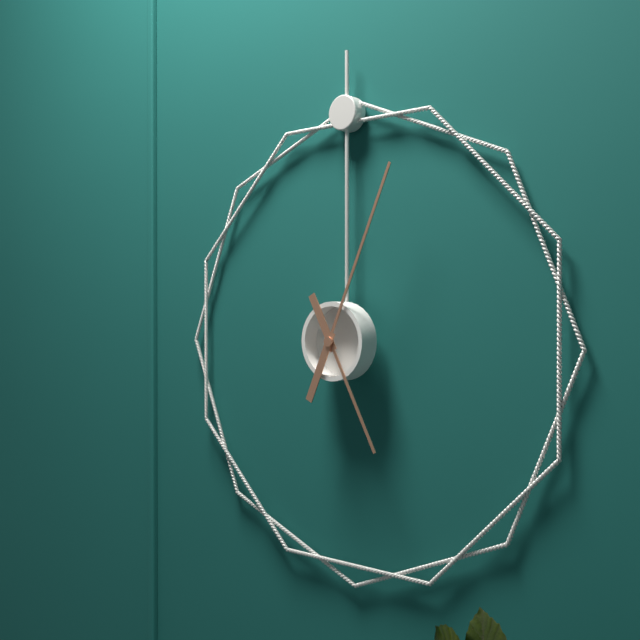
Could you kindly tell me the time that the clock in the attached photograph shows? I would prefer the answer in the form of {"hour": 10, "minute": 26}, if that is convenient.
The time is {"hour": 5, "minute": 4}
